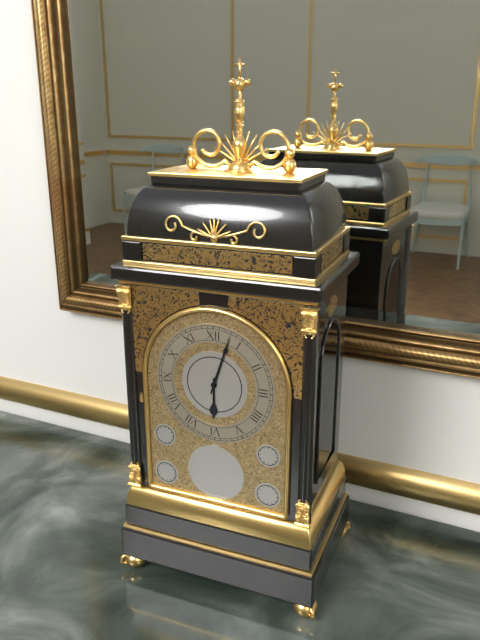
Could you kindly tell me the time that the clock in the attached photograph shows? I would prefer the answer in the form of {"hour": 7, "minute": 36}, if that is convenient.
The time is {"hour": 6, "minute": 3}
